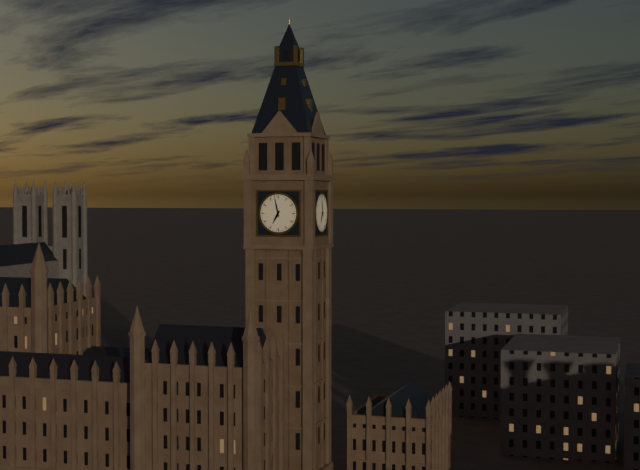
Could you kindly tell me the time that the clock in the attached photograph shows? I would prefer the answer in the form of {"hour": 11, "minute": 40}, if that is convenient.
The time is {"hour": 6, "minute": 58}
